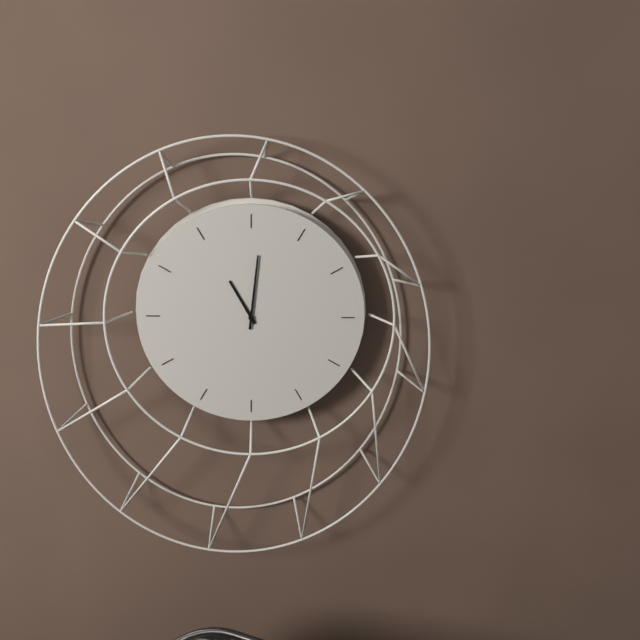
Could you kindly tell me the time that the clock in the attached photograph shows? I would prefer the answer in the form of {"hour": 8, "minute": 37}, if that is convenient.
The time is {"hour": 11, "minute": 1}
